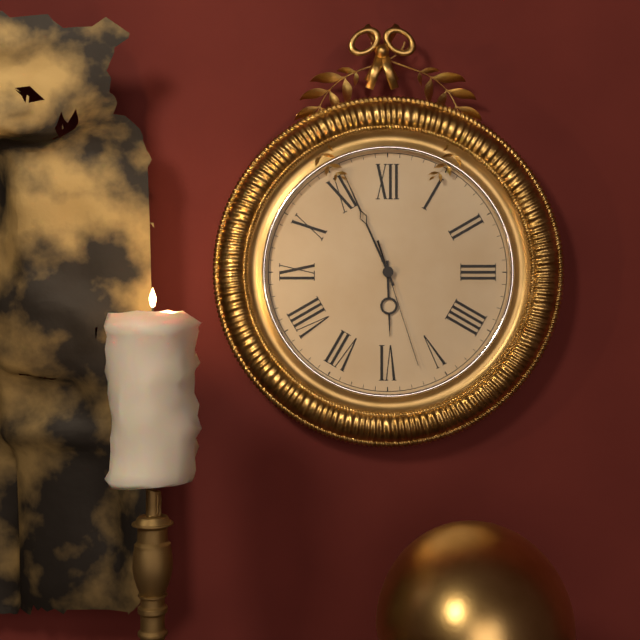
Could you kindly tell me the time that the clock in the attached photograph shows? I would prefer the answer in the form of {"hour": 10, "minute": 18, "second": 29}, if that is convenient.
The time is {"hour": 5, "minute": 56, "second": 27}
